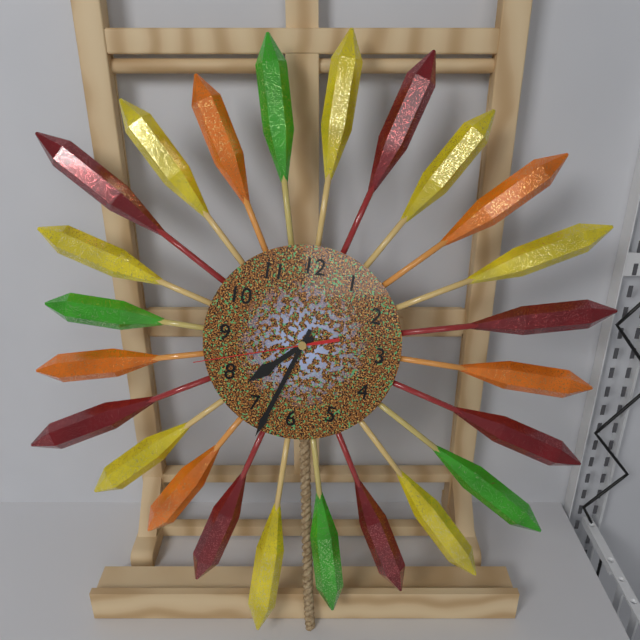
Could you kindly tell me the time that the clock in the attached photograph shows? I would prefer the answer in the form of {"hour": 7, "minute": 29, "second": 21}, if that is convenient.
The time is {"hour": 7, "minute": 33, "second": 42}
